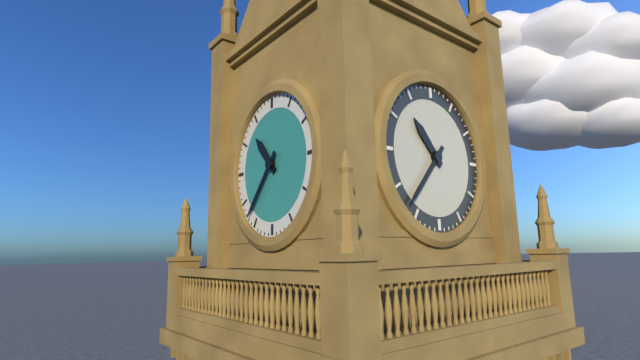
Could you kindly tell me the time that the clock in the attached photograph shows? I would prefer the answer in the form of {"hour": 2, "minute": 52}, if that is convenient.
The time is {"hour": 10, "minute": 37}
